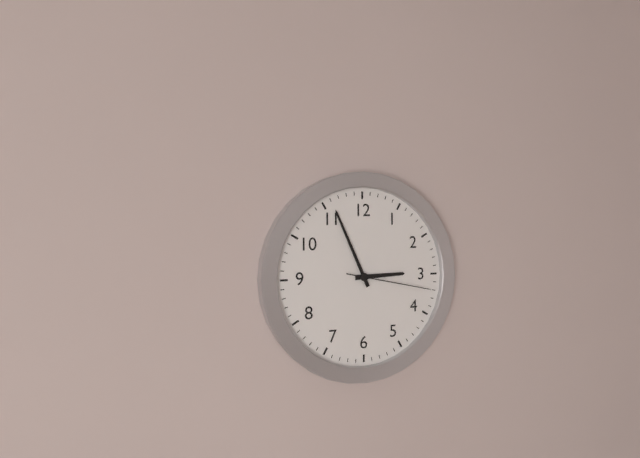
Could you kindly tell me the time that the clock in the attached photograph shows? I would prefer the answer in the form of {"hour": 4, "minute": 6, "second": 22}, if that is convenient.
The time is {"hour": 2, "minute": 56, "second": 17}
